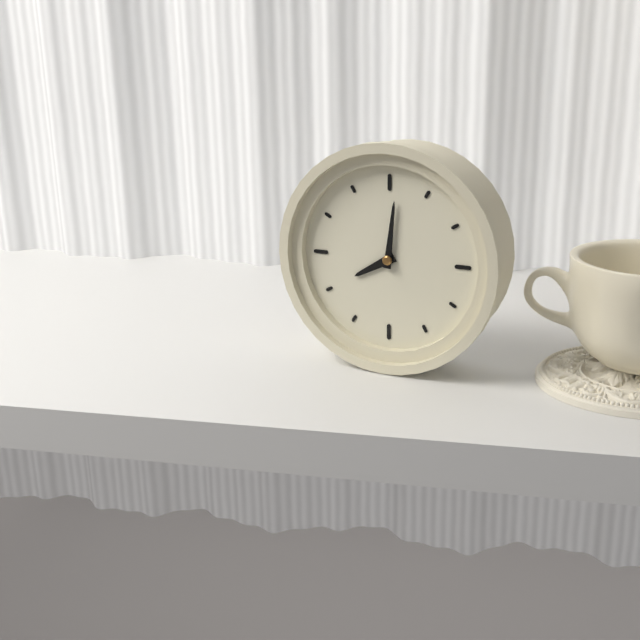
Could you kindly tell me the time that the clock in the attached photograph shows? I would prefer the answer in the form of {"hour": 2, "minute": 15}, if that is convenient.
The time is {"hour": 8, "minute": 1}
